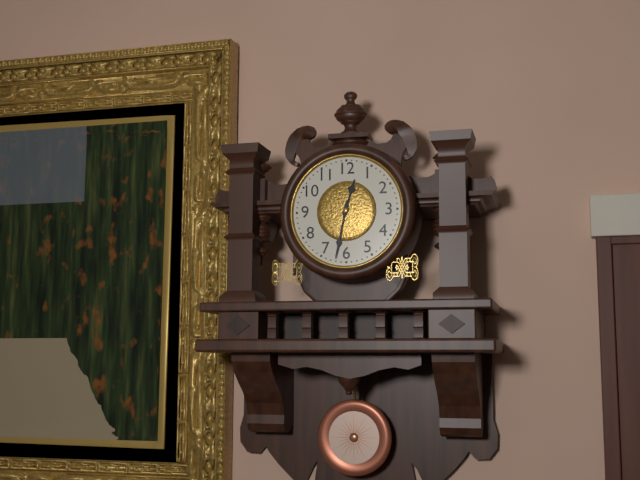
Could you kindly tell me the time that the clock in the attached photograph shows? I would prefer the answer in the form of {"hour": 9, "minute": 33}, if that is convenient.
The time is {"hour": 12, "minute": 32}
